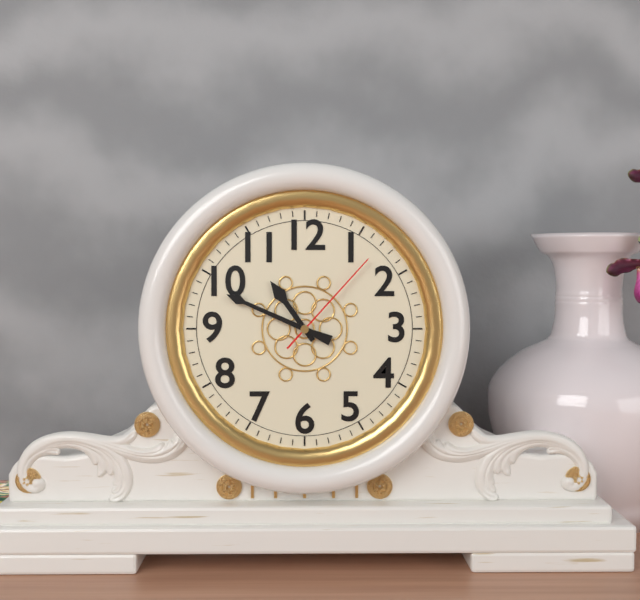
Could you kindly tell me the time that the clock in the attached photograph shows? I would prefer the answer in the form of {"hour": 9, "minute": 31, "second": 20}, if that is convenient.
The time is {"hour": 10, "minute": 49, "second": 7}
